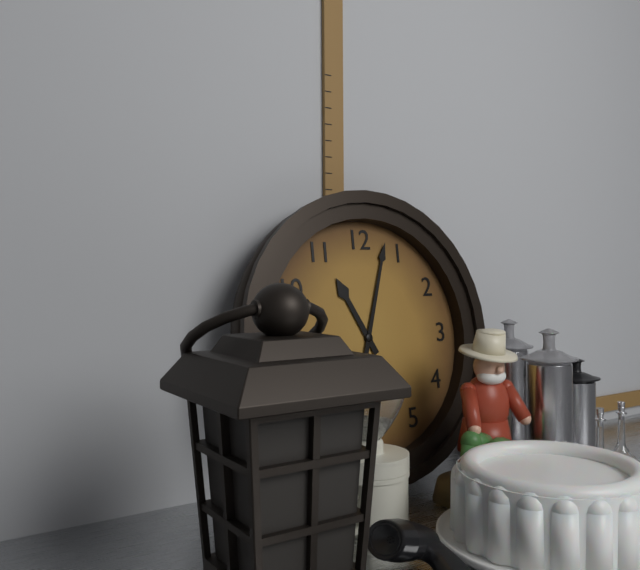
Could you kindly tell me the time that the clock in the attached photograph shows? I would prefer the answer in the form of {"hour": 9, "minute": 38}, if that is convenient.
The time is {"hour": 11, "minute": 3}
